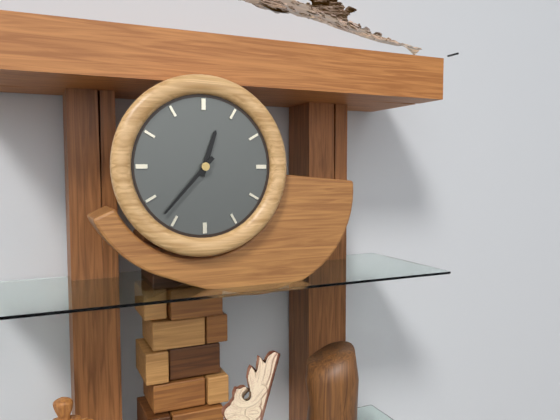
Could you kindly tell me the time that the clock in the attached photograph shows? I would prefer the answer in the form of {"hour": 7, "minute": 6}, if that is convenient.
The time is {"hour": 12, "minute": 37}
